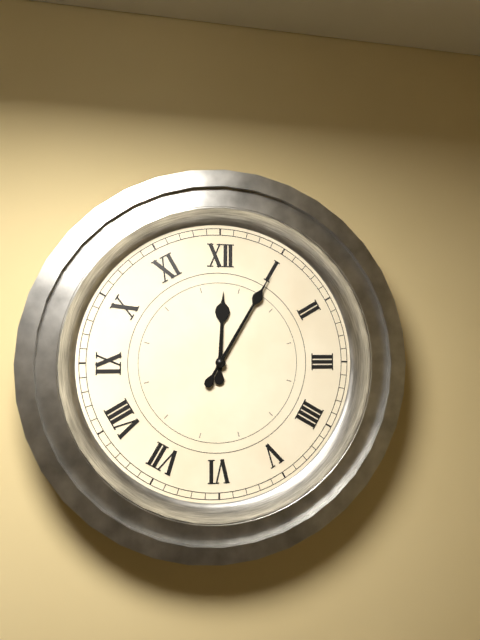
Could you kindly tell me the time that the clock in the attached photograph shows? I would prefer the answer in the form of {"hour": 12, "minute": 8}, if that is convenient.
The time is {"hour": 12, "minute": 5}
